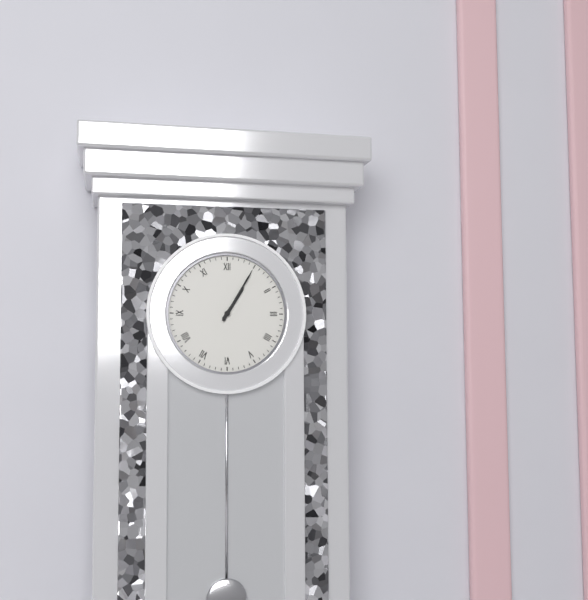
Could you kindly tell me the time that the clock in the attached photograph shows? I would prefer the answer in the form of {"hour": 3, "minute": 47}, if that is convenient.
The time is {"hour": 1, "minute": 5}
